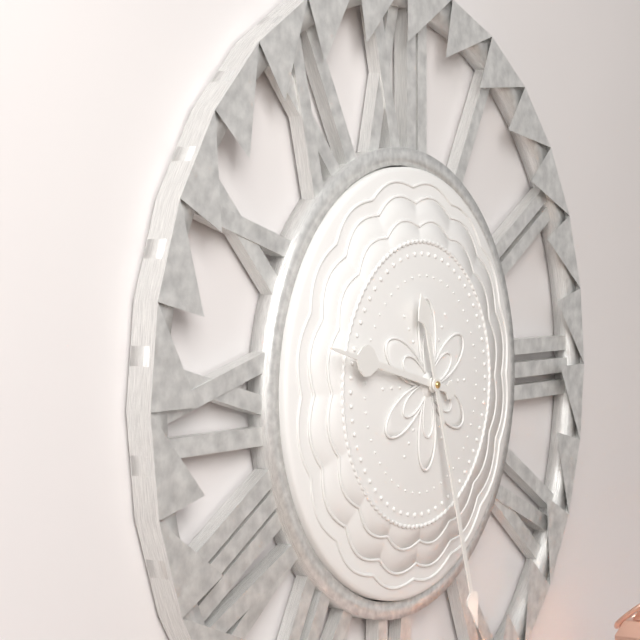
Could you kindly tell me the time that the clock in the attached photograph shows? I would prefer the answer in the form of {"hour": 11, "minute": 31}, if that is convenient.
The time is {"hour": 9, "minute": 27}
